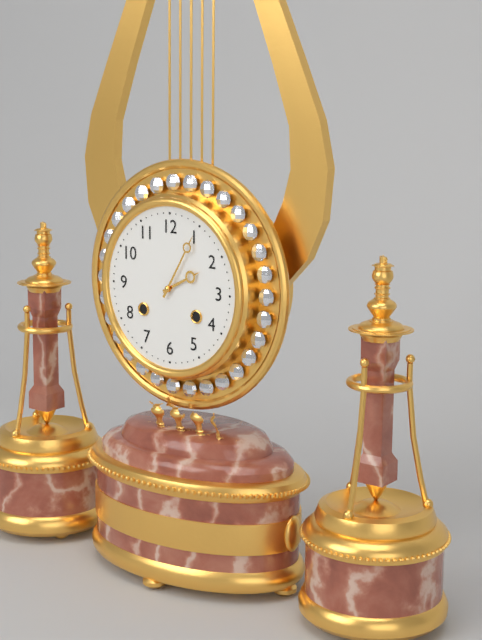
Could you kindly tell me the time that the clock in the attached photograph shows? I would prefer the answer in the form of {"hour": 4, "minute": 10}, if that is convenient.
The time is {"hour": 2, "minute": 5}
